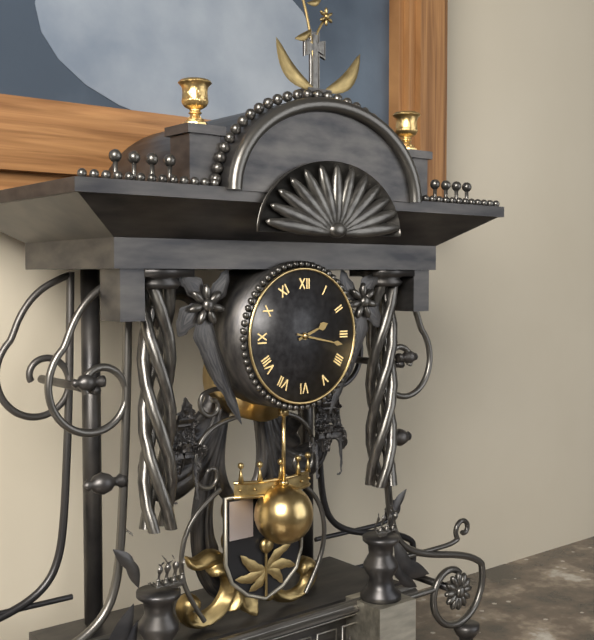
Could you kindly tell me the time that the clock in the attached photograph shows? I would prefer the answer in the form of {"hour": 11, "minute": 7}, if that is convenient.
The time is {"hour": 2, "minute": 17}
